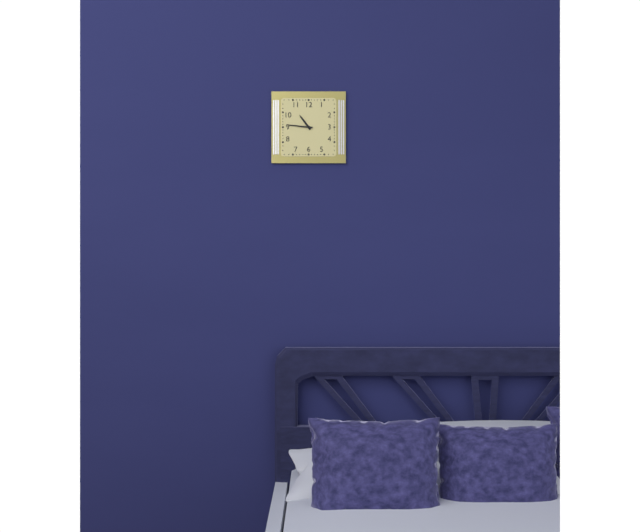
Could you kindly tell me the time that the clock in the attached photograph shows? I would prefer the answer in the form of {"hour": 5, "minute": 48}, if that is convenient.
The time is {"hour": 10, "minute": 46}
